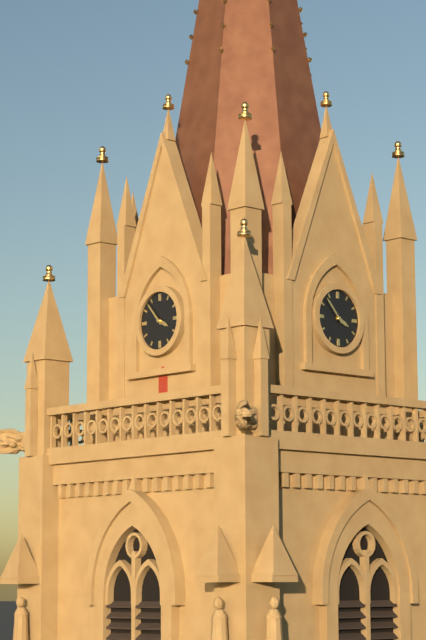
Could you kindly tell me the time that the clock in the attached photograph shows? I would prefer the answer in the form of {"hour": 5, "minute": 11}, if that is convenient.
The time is {"hour": 3, "minute": 53}
